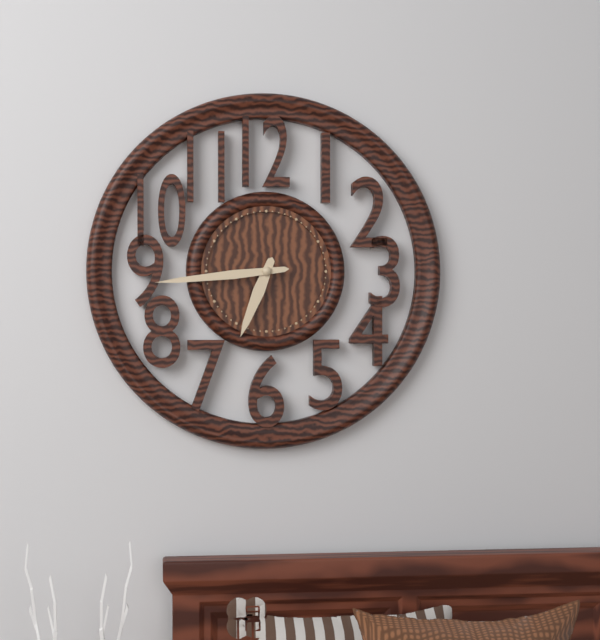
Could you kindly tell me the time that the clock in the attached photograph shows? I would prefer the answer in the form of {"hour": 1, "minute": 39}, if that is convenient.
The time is {"hour": 6, "minute": 44}
